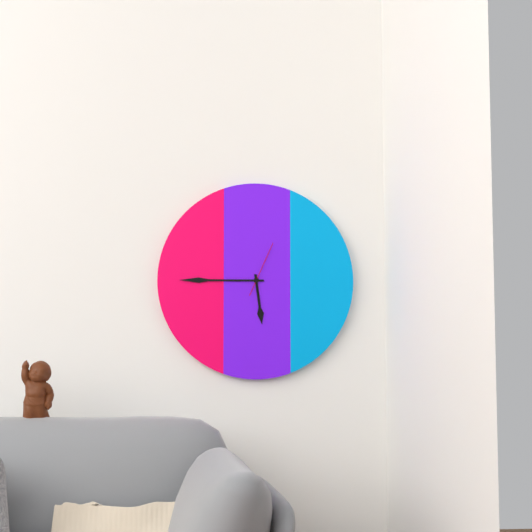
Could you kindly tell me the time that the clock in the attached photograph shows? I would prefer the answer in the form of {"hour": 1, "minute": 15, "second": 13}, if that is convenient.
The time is {"hour": 5, "minute": 45, "second": 4}
